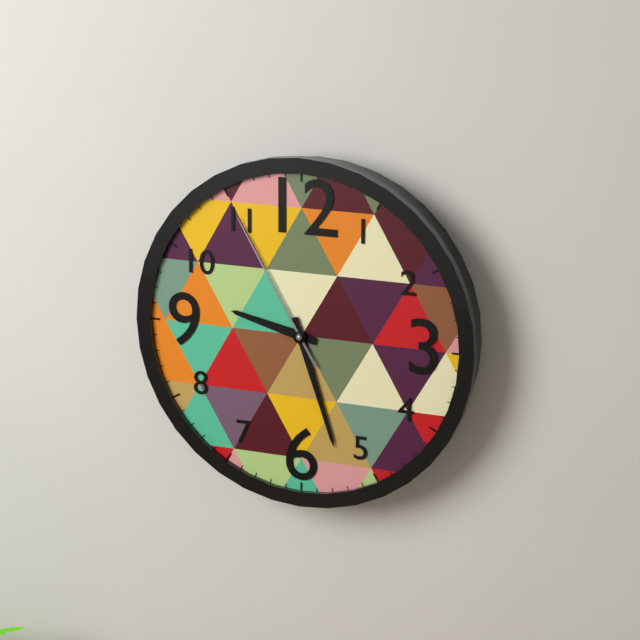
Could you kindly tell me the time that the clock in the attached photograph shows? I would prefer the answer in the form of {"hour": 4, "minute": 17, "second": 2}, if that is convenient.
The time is {"hour": 9, "minute": 27, "second": 55}
